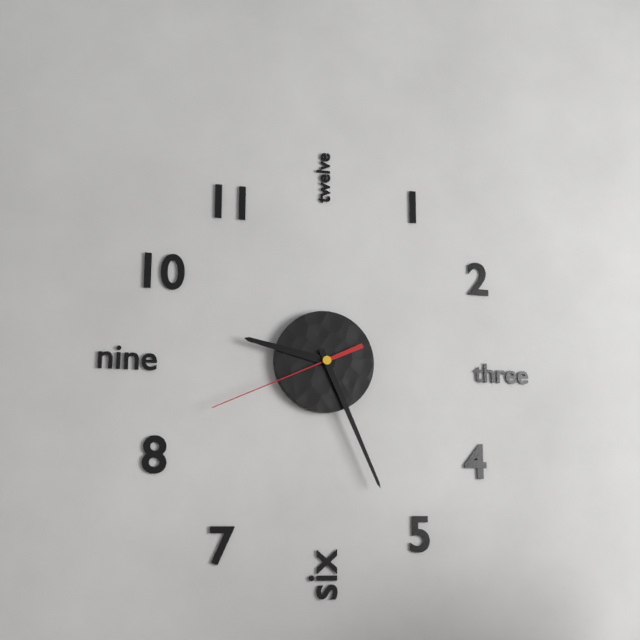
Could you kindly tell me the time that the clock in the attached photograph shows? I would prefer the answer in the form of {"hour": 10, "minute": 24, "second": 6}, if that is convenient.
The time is {"hour": 9, "minute": 26, "second": 41}
